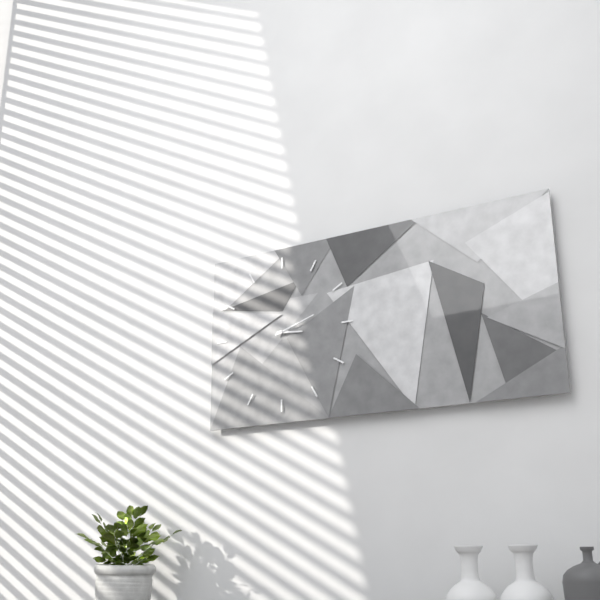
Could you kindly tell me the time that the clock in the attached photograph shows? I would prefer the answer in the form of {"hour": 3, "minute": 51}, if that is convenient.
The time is {"hour": 3, "minute": 12}
